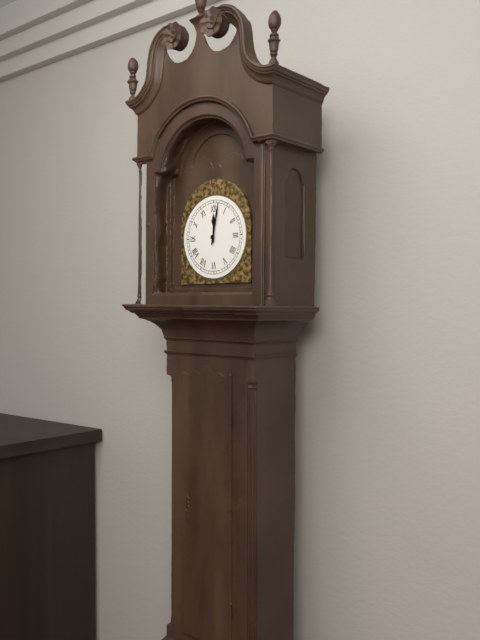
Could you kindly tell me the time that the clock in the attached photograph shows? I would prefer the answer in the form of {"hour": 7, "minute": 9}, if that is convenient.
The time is {"hour": 12, "minute": 2}
